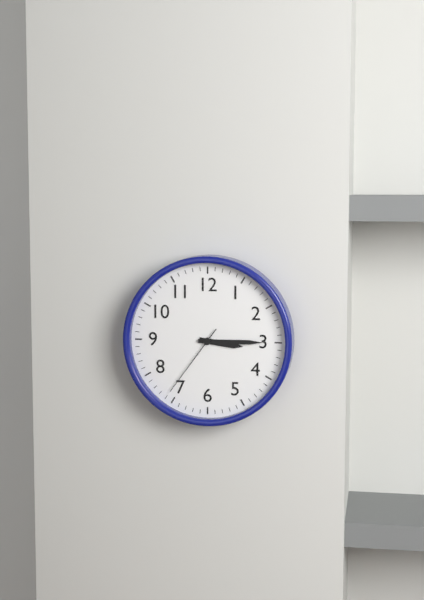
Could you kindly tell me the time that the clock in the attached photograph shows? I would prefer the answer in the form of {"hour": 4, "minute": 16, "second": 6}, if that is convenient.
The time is {"hour": 3, "minute": 15, "second": 36}
